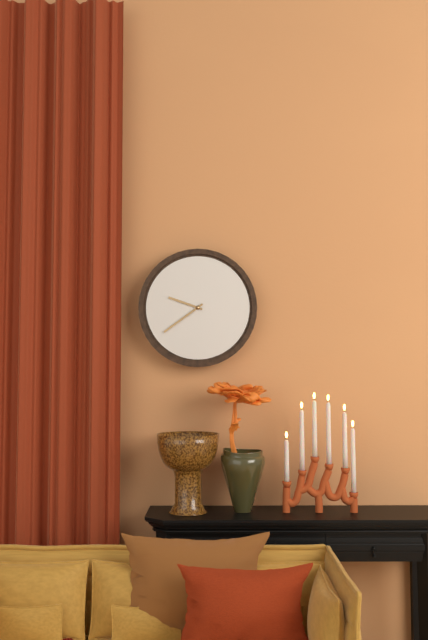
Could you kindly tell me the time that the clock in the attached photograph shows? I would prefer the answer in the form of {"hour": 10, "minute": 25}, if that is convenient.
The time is {"hour": 9, "minute": 39}
